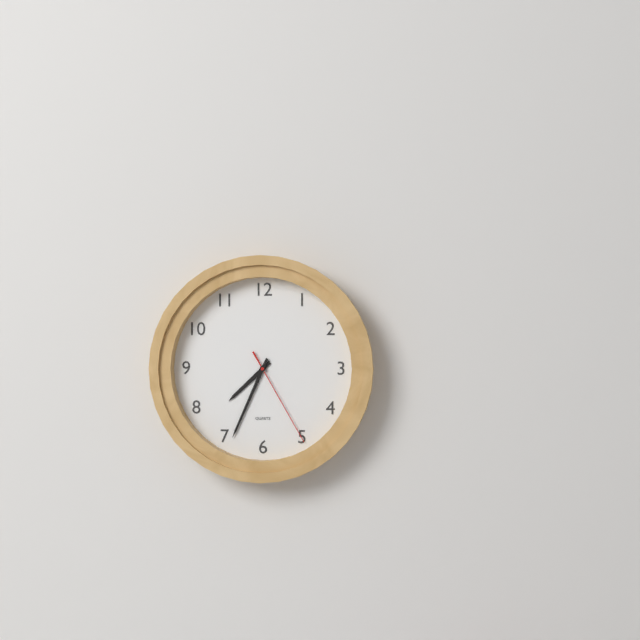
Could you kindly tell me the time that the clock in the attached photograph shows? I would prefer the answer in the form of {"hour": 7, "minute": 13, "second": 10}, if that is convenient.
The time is {"hour": 7, "minute": 34, "second": 25}
